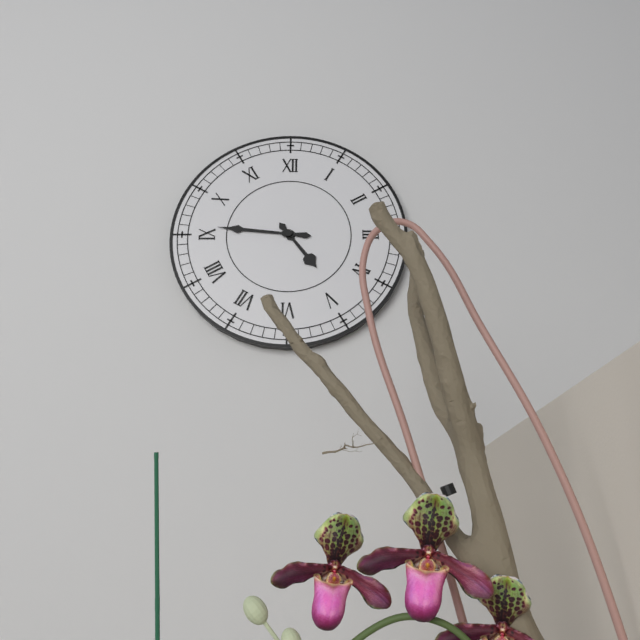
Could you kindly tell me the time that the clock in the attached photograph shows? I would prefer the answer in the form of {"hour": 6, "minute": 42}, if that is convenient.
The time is {"hour": 4, "minute": 46}
